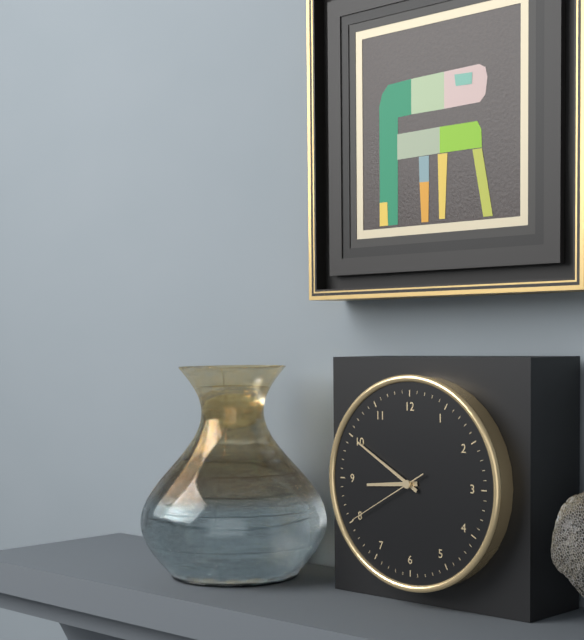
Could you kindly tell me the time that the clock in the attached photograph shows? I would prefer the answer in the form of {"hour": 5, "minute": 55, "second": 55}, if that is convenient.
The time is {"hour": 8, "minute": 50, "second": 40}
